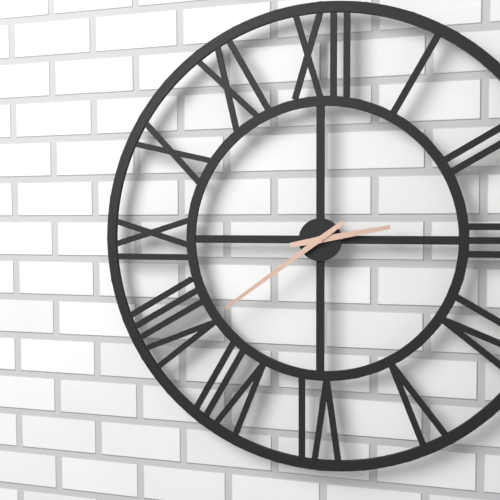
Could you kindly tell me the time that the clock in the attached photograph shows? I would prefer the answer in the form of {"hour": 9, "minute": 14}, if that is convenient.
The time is {"hour": 2, "minute": 39}
